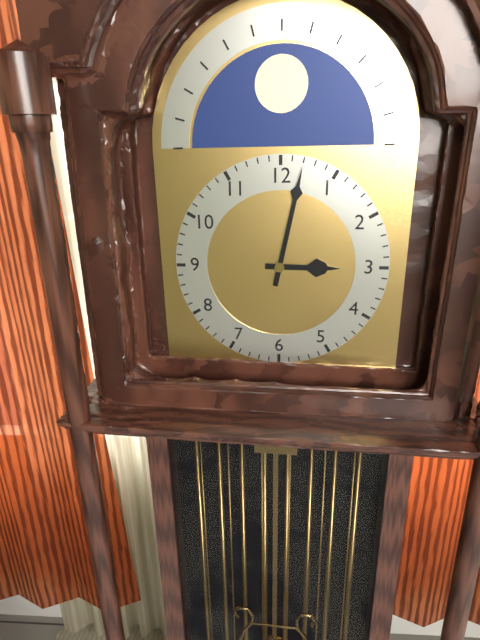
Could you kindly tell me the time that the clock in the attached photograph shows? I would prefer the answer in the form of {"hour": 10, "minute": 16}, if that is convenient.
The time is {"hour": 3, "minute": 2}
